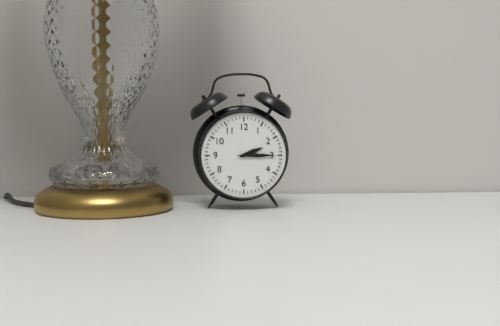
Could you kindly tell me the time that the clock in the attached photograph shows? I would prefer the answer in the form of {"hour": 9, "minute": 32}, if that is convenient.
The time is {"hour": 2, "minute": 15}
